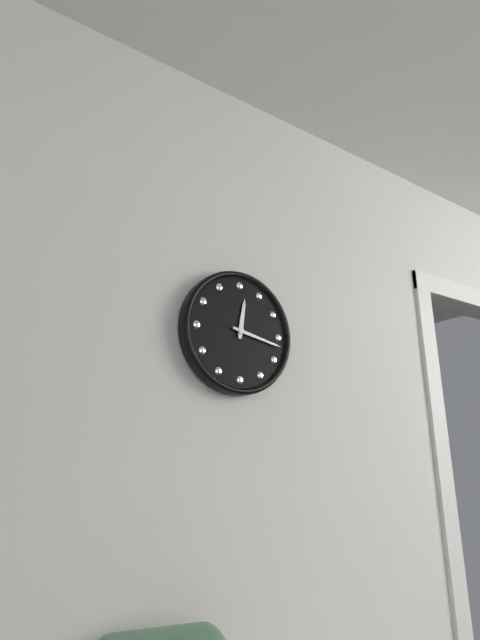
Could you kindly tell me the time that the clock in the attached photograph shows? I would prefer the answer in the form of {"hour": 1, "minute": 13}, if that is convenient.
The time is {"hour": 12, "minute": 17}
